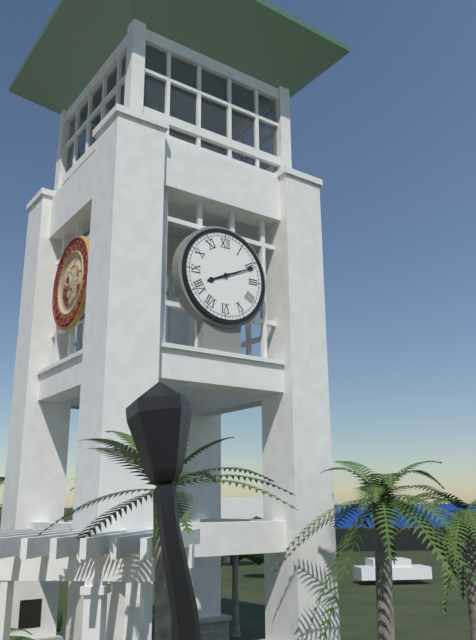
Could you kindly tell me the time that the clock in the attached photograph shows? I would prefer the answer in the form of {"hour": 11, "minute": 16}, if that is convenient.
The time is {"hour": 8, "minute": 11}
